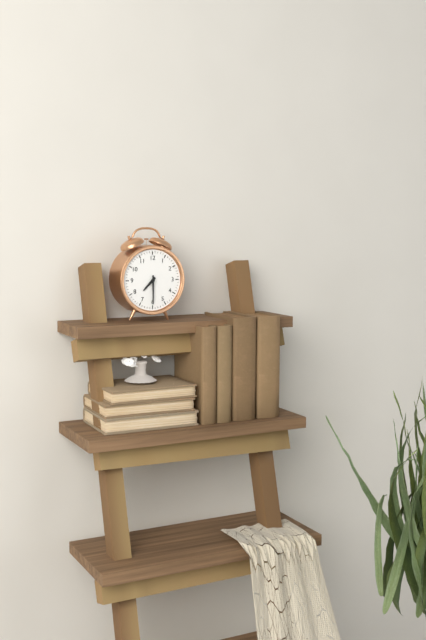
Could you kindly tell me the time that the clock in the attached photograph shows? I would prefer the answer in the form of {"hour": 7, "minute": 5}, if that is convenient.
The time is {"hour": 7, "minute": 30}
